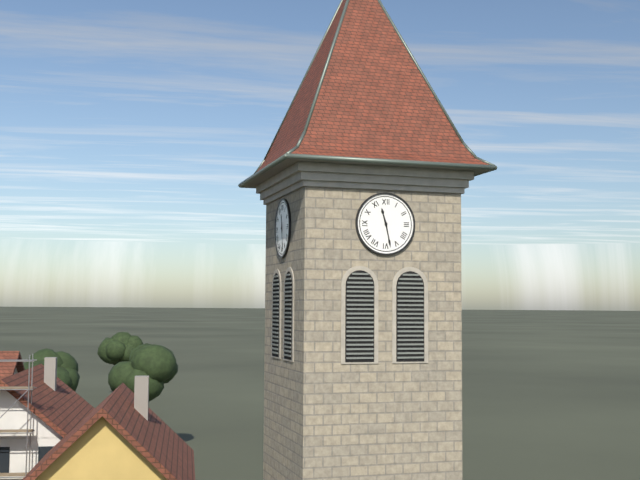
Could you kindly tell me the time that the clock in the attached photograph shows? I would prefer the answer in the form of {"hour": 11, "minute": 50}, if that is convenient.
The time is {"hour": 11, "minute": 28}
